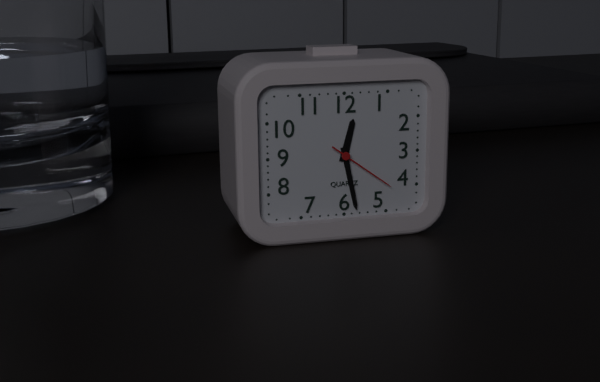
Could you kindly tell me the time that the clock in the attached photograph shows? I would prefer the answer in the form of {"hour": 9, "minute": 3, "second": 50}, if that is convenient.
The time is {"hour": 12, "minute": 28, "second": 21}
